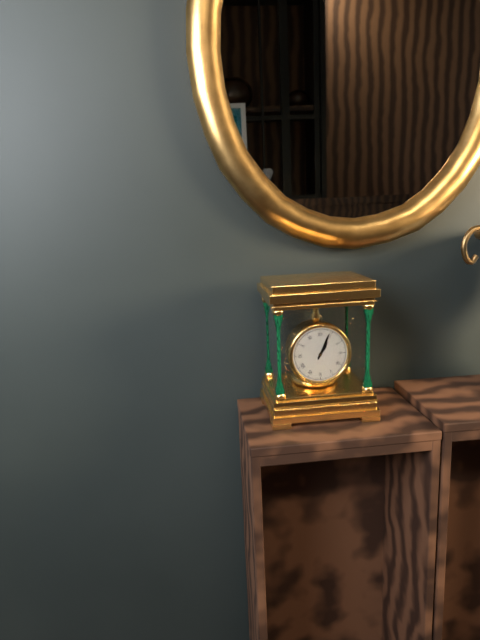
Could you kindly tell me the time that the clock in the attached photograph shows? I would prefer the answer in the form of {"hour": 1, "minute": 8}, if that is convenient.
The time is {"hour": 1, "minute": 4}
